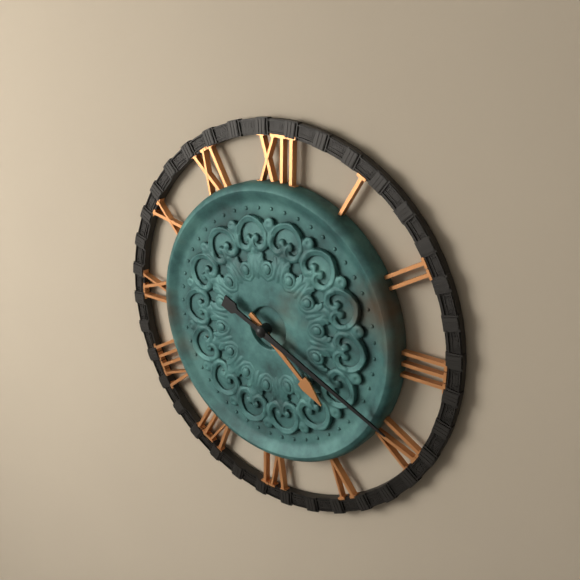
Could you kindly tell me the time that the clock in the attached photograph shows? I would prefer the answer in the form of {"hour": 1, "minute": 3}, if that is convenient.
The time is {"hour": 4, "minute": 19}
